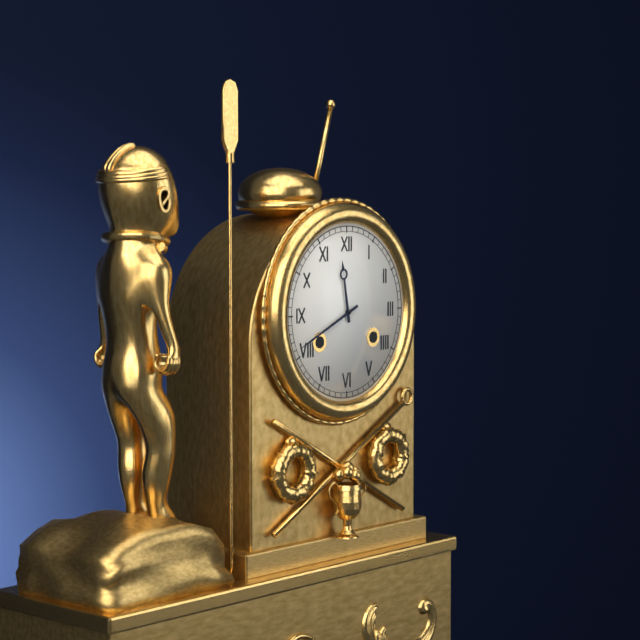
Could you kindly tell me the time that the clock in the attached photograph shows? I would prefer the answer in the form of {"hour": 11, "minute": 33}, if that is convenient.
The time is {"hour": 11, "minute": 41}
